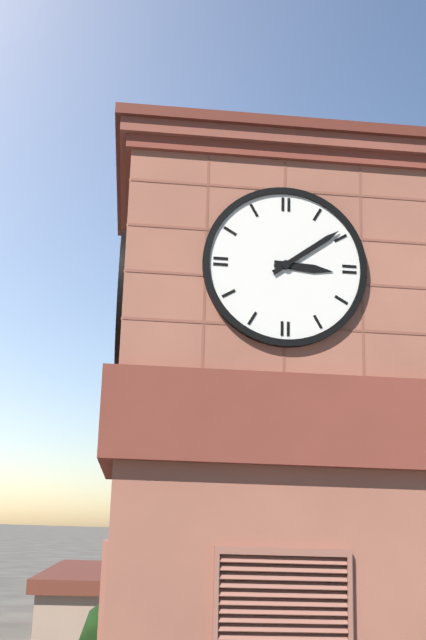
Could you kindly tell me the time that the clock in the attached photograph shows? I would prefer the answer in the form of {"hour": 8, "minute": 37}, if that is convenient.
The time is {"hour": 3, "minute": 9}
